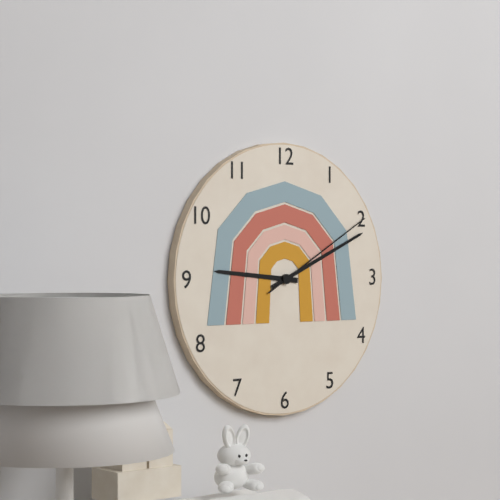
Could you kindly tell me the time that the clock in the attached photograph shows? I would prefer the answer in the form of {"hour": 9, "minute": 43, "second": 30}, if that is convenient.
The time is {"hour": 9, "minute": 11, "second": 10}
